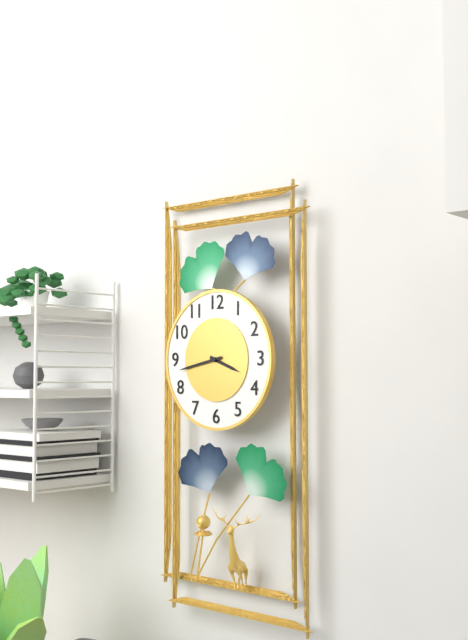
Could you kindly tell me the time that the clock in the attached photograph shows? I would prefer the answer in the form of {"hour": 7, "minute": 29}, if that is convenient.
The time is {"hour": 3, "minute": 43}
